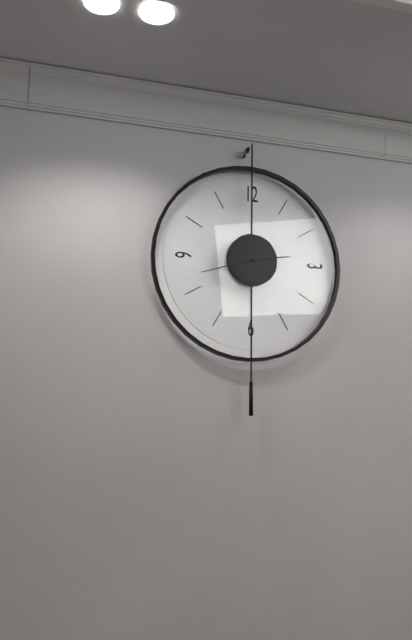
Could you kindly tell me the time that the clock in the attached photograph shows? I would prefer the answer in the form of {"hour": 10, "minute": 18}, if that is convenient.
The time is {"hour": 2, "minute": 42}
